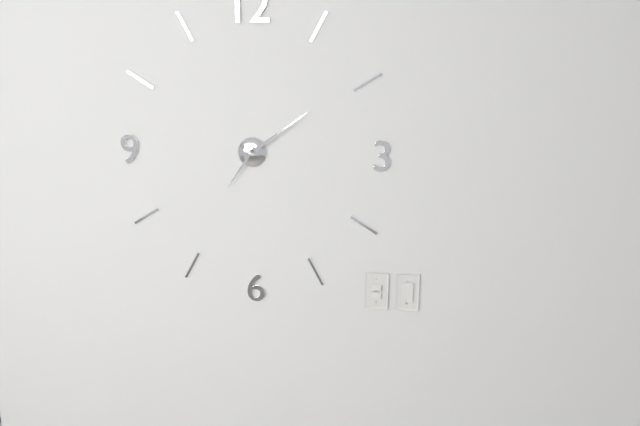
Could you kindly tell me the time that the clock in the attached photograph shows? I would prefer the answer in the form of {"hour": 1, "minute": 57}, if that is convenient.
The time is {"hour": 7, "minute": 9}
